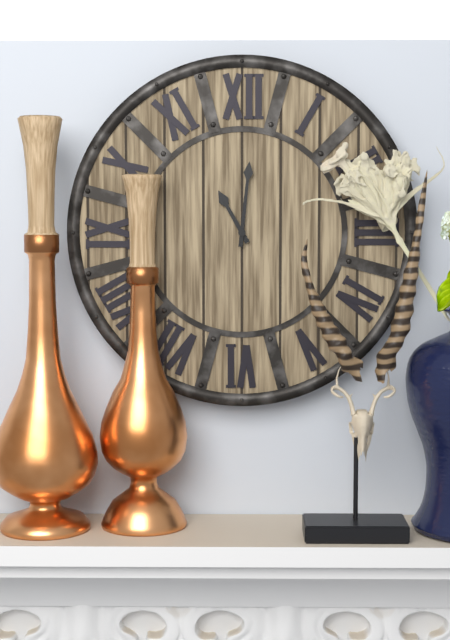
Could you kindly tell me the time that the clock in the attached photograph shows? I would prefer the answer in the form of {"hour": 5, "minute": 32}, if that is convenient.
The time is {"hour": 11, "minute": 1}
